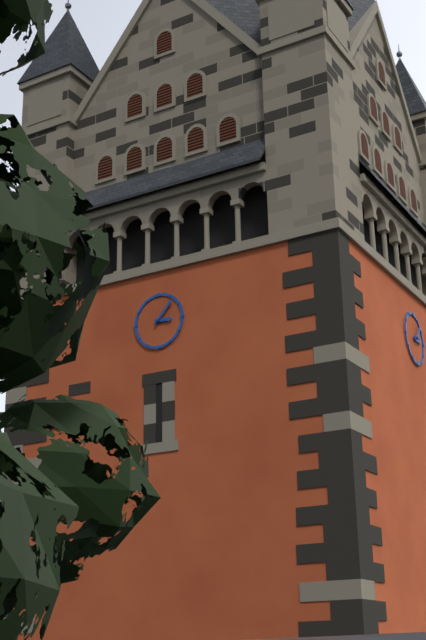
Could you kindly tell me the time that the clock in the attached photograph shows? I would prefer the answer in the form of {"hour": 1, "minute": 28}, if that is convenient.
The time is {"hour": 3, "minute": 7}
